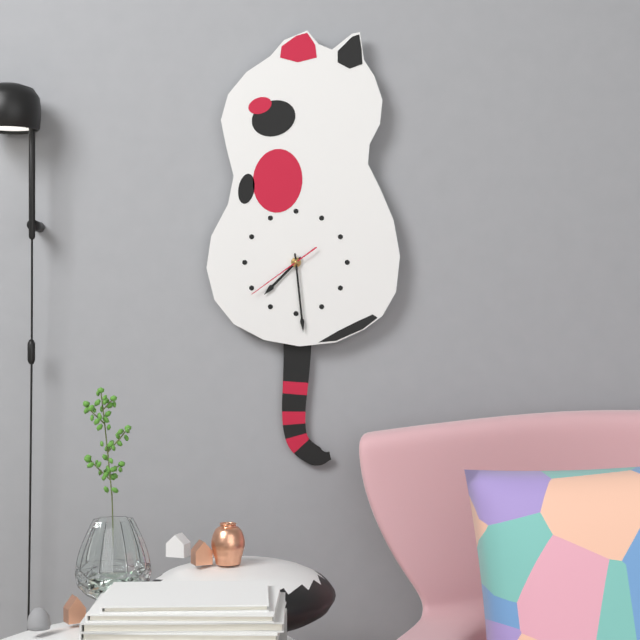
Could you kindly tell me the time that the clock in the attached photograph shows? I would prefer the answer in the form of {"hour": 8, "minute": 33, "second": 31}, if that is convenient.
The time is {"hour": 7, "minute": 29, "second": 39}
